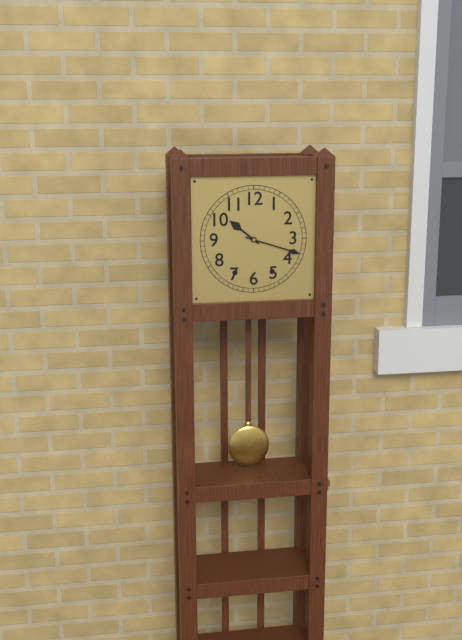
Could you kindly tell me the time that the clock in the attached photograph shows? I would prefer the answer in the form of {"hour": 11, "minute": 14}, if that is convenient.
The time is {"hour": 10, "minute": 18}
